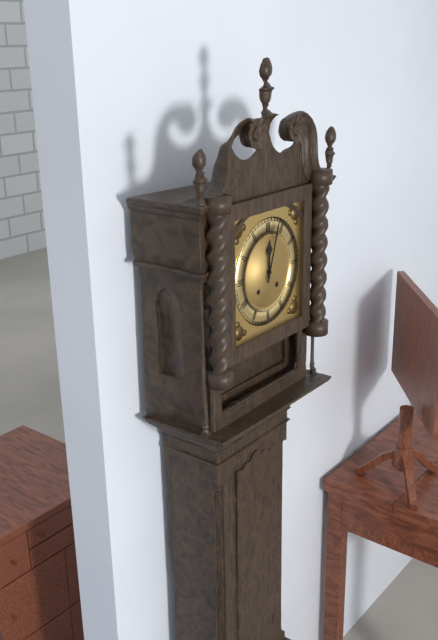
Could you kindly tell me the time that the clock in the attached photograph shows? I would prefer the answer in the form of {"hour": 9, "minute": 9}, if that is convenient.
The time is {"hour": 12, "minute": 3}
